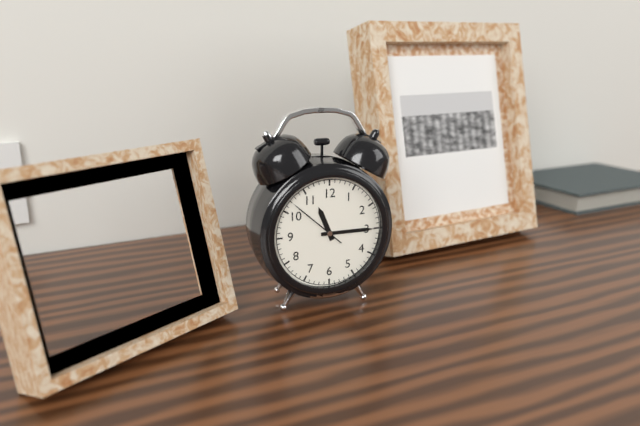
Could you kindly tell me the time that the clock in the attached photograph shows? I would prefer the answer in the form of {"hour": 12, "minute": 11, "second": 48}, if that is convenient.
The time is {"hour": 11, "minute": 15, "second": 52}
